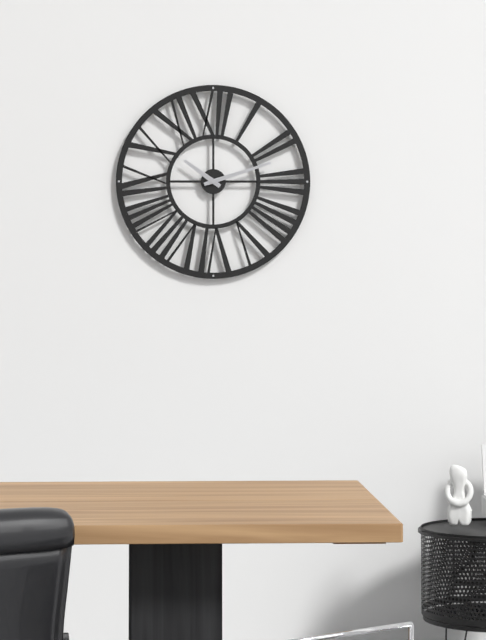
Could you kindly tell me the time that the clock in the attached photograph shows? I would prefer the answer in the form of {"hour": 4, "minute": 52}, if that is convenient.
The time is {"hour": 10, "minute": 12}
